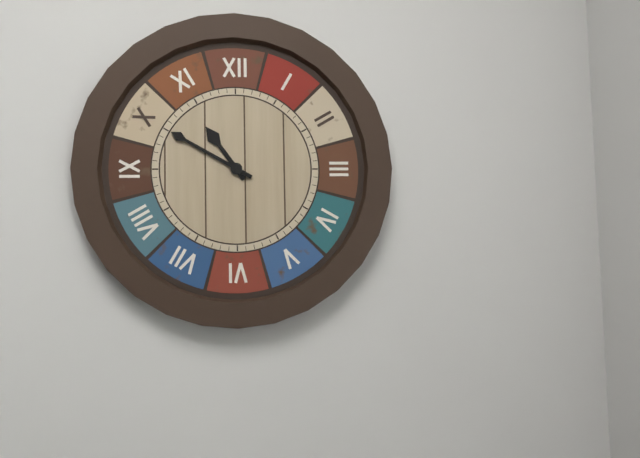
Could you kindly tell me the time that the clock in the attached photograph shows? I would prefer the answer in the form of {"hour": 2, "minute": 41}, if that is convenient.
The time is {"hour": 10, "minute": 50}
